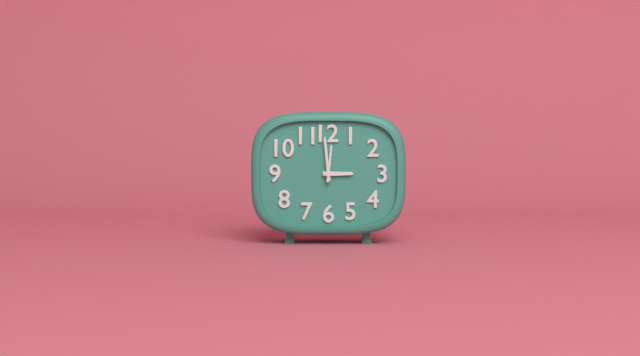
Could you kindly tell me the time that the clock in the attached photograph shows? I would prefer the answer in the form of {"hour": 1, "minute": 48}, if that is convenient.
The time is {"hour": 2, "minute": 59}
